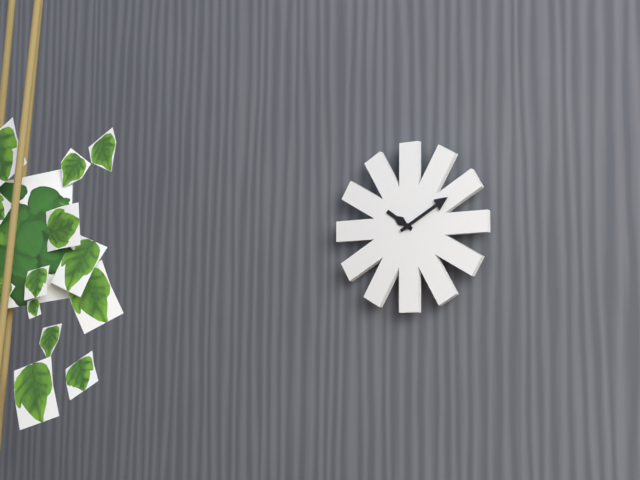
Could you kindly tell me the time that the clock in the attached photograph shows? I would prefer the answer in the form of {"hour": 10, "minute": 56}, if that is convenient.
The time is {"hour": 10, "minute": 10}
